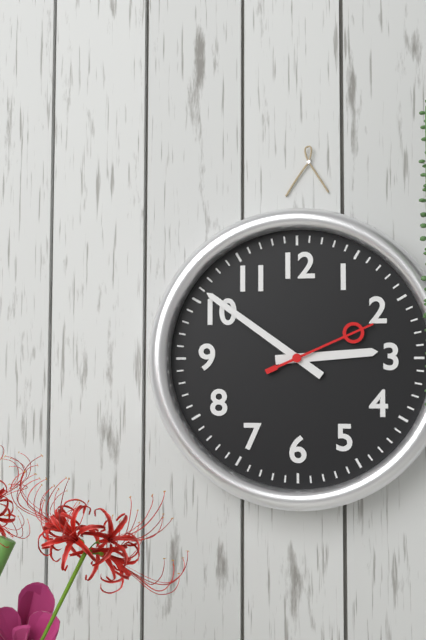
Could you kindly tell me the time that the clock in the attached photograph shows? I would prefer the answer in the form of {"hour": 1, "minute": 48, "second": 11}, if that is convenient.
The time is {"hour": 2, "minute": 51, "second": 11}
